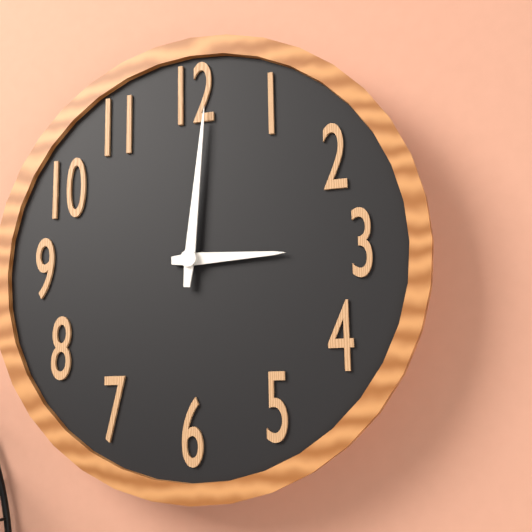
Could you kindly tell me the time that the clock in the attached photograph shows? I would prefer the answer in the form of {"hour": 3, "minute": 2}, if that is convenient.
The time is {"hour": 3, "minute": 1}
